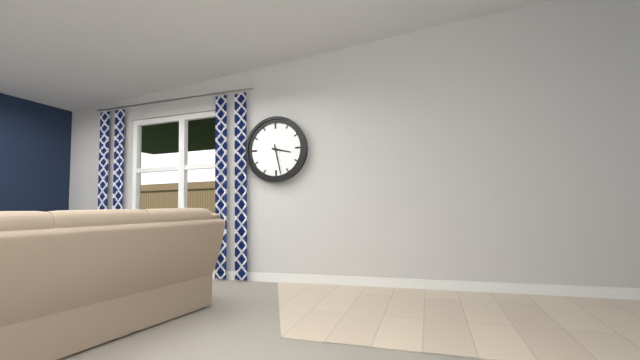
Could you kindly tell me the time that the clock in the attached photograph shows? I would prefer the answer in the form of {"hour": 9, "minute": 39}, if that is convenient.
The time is {"hour": 3, "minute": 28}
